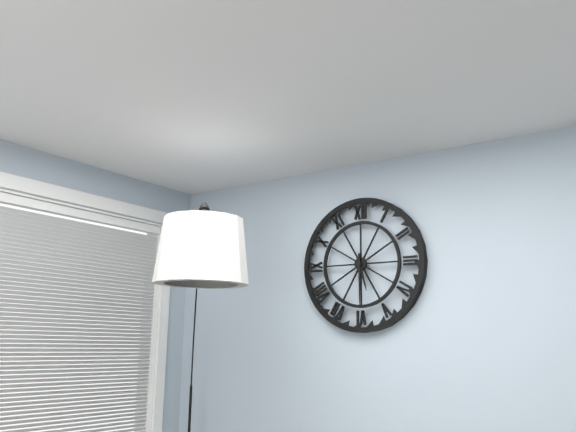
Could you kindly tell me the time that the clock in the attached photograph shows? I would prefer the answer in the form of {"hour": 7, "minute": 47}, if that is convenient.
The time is {"hour": 5, "minute": 30}
